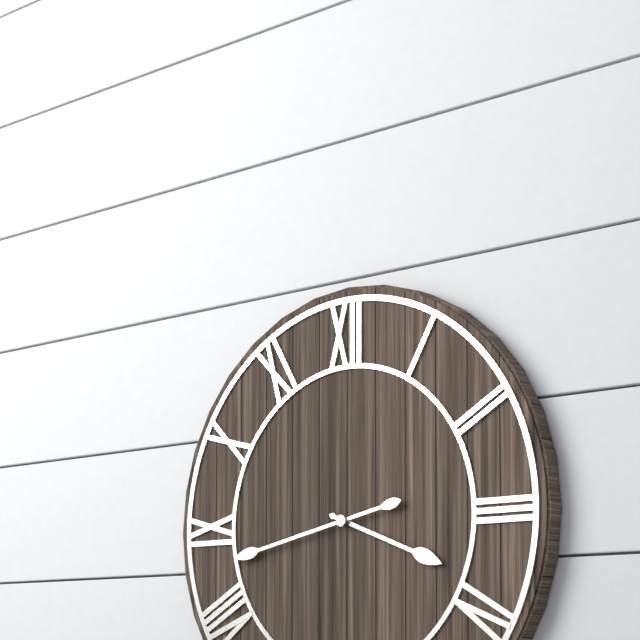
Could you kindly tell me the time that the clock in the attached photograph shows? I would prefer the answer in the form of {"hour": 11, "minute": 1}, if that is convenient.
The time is {"hour": 3, "minute": 43}
